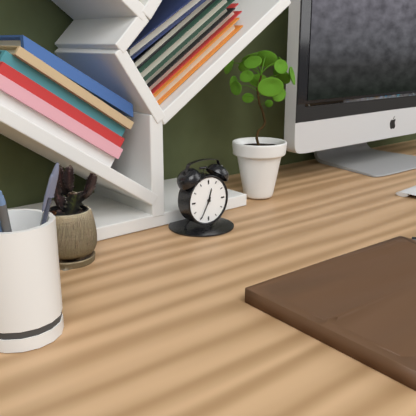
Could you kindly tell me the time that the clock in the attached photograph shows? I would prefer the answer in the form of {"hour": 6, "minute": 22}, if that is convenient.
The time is {"hour": 12, "minute": 35}
